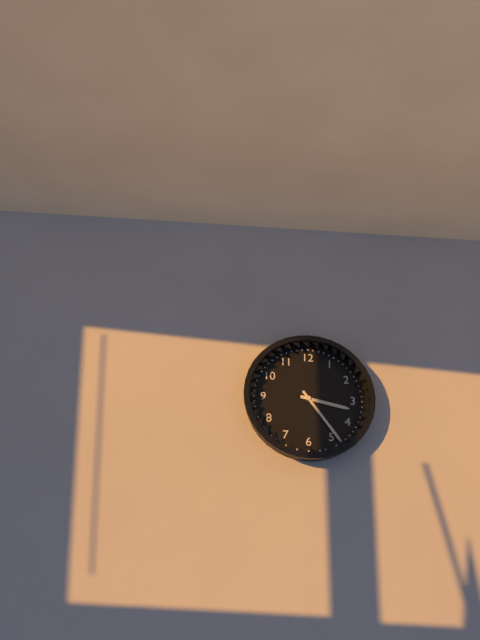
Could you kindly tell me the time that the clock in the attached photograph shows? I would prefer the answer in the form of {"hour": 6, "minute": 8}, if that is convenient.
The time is {"hour": 3, "minute": 24}
